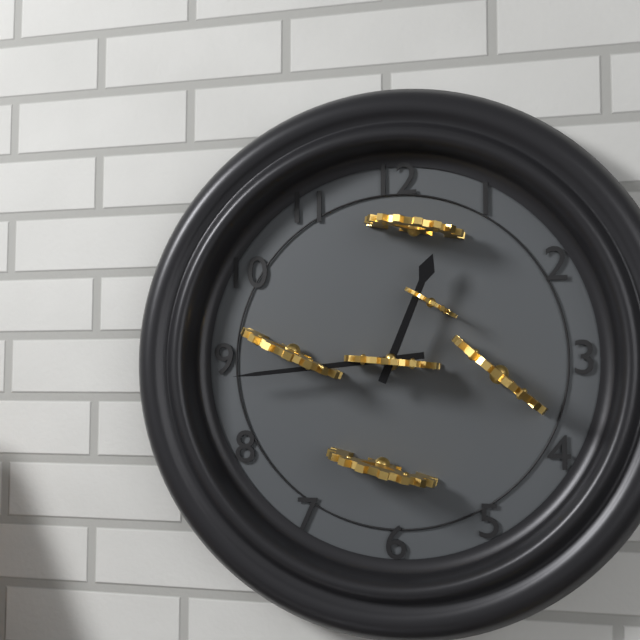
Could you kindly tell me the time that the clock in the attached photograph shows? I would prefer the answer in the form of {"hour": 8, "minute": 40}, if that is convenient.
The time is {"hour": 12, "minute": 44}
